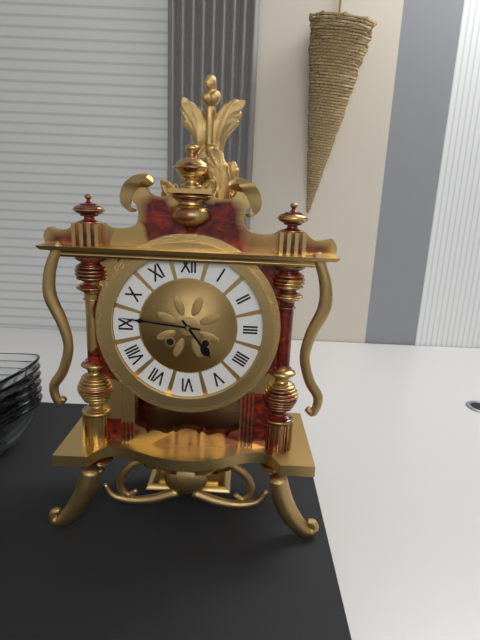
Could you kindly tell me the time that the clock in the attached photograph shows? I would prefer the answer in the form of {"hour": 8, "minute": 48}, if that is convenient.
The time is {"hour": 4, "minute": 46}
